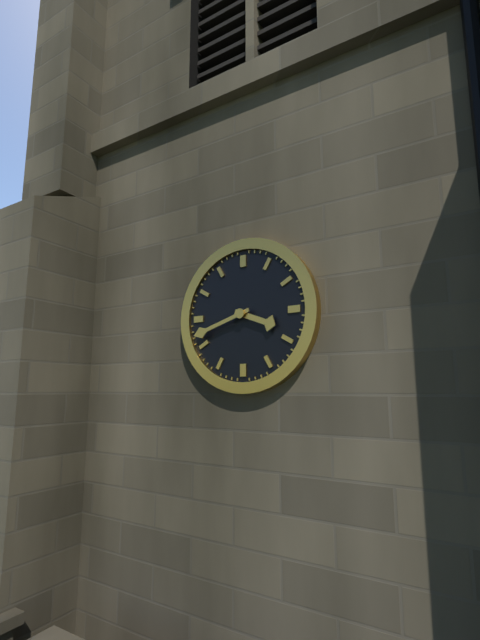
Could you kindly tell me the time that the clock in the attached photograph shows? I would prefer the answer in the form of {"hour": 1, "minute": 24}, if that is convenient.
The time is {"hour": 3, "minute": 42}
